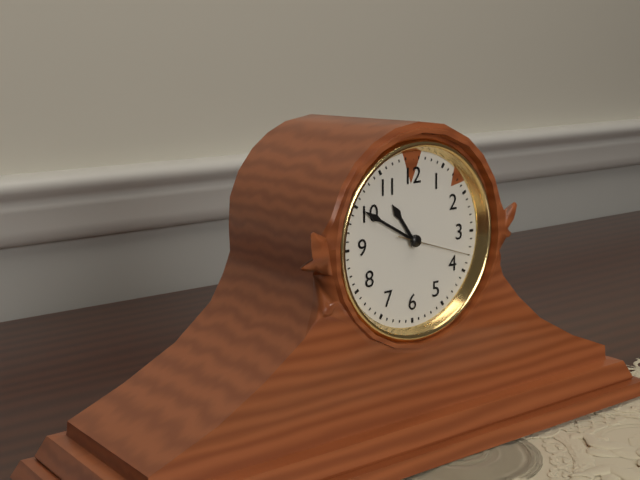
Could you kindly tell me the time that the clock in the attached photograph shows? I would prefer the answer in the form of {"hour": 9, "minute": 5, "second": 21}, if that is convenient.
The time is {"hour": 10, "minute": 50, "second": 18}
